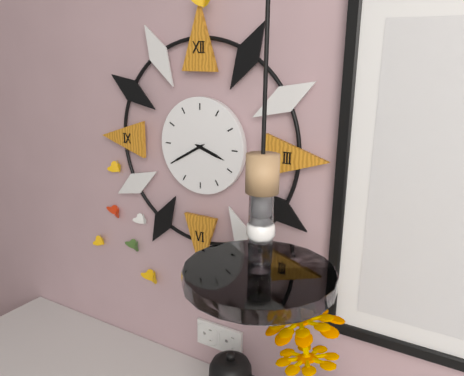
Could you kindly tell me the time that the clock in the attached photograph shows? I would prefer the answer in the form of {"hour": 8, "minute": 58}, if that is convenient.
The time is {"hour": 3, "minute": 40}
